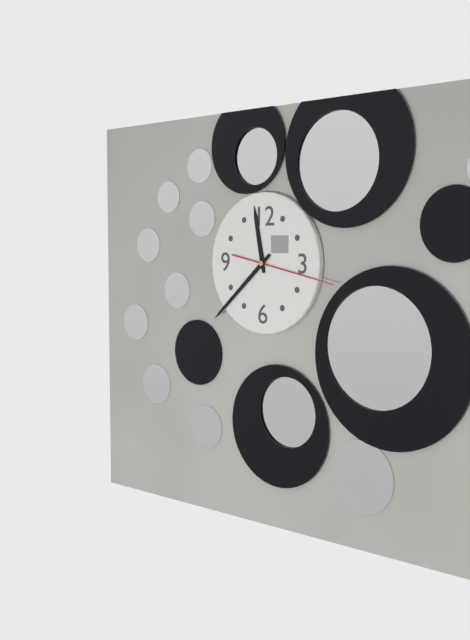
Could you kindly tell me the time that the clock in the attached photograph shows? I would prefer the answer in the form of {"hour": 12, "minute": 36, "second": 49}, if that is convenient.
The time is {"hour": 11, "minute": 38, "second": 17}
